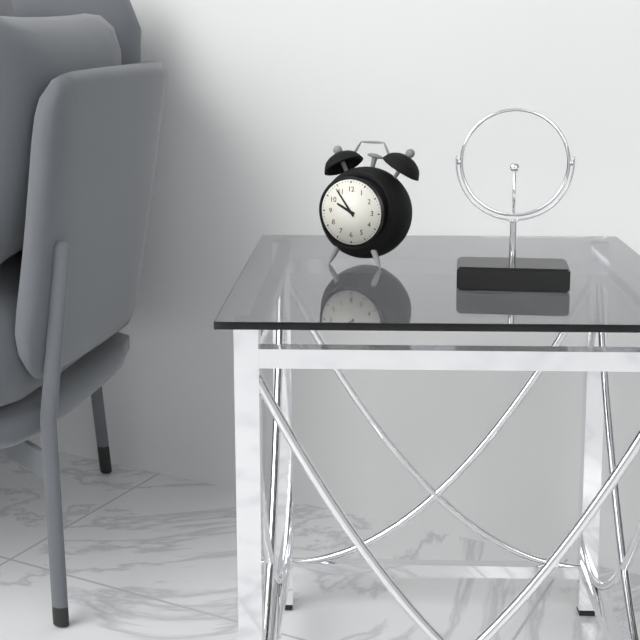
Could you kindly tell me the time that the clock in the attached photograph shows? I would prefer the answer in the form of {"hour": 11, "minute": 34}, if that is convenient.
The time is {"hour": 9, "minute": 54}
